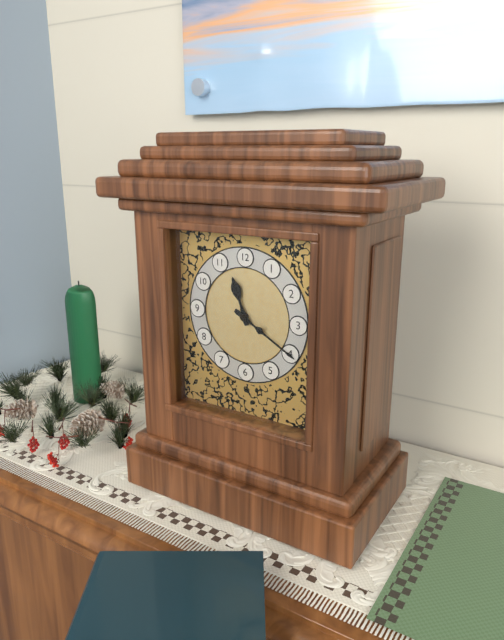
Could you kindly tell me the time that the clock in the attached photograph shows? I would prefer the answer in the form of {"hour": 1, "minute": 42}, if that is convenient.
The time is {"hour": 11, "minute": 20}
